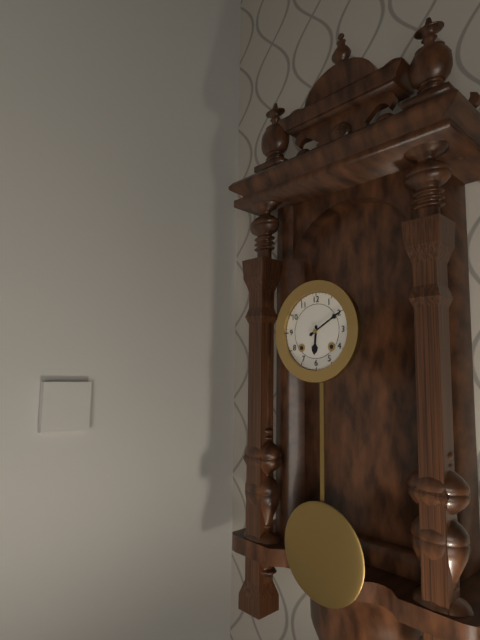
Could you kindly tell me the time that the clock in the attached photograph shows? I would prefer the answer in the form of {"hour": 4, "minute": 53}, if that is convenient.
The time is {"hour": 6, "minute": 10}
